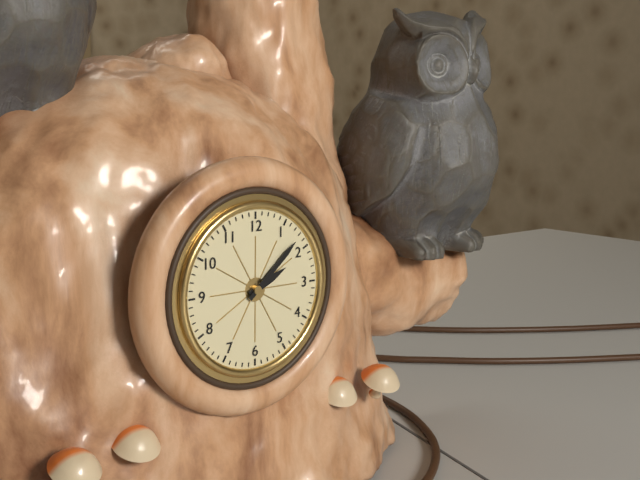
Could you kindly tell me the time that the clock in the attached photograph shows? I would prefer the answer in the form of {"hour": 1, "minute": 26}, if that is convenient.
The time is {"hour": 2, "minute": 8}
